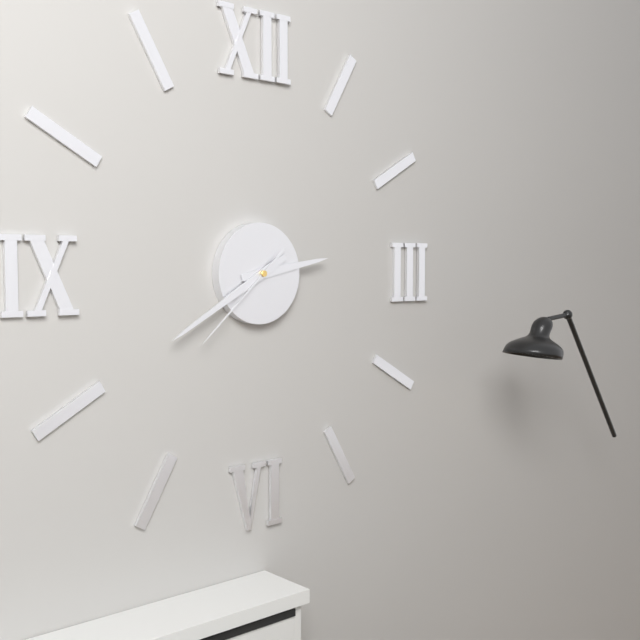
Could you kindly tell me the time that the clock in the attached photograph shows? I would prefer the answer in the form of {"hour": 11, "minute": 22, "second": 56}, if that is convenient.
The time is {"hour": 2, "minute": 40, "second": 38}
